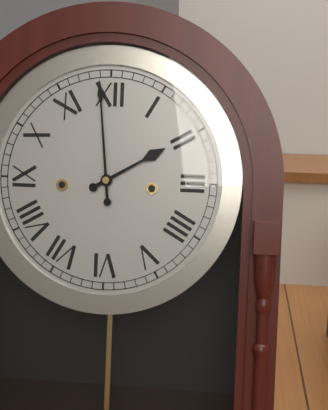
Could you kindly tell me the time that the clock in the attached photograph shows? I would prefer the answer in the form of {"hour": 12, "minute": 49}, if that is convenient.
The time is {"hour": 1, "minute": 59}
